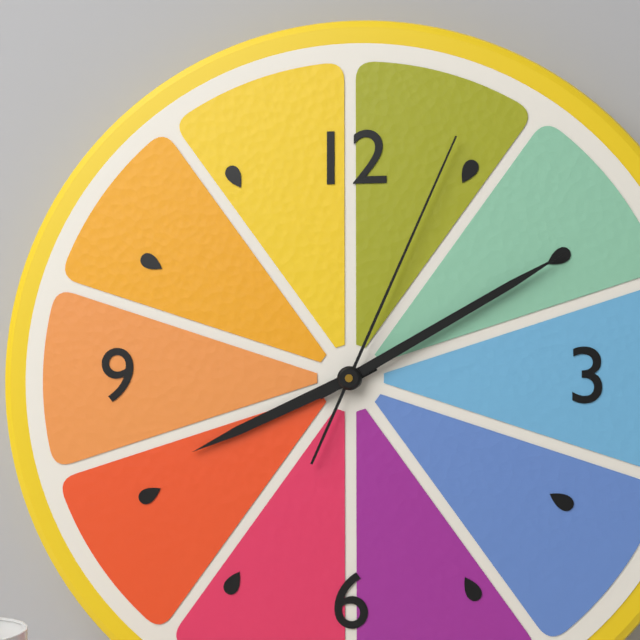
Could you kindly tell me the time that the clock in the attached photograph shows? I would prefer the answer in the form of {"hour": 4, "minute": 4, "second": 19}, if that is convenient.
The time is {"hour": 8, "minute": 10, "second": 4}
